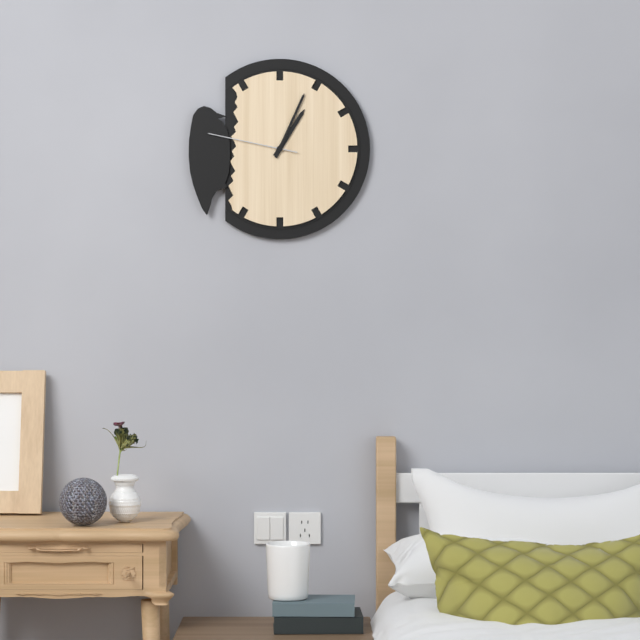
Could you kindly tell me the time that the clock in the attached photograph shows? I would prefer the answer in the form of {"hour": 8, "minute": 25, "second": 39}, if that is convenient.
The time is {"hour": 1, "minute": 4, "second": 47}
